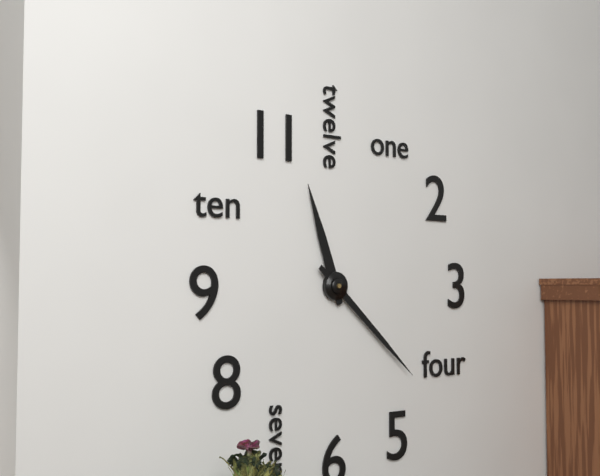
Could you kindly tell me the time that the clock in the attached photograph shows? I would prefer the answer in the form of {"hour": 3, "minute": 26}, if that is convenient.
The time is {"hour": 11, "minute": 22}
